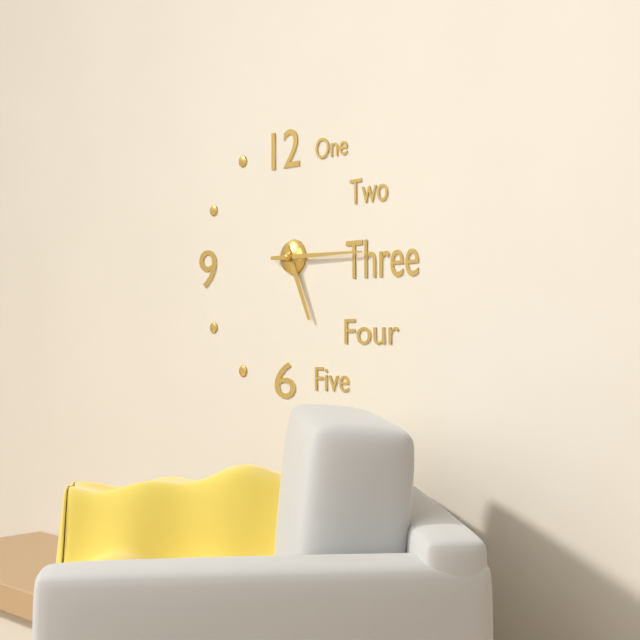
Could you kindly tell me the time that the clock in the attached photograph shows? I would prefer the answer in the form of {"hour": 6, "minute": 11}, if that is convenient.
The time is {"hour": 5, "minute": 15}
